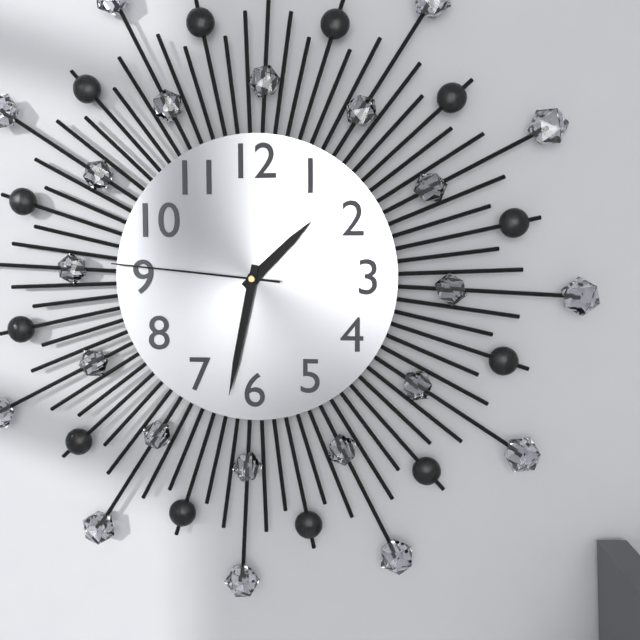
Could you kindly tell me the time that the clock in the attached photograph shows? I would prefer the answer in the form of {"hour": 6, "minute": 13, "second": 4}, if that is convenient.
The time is {"hour": 1, "minute": 32, "second": 46}
